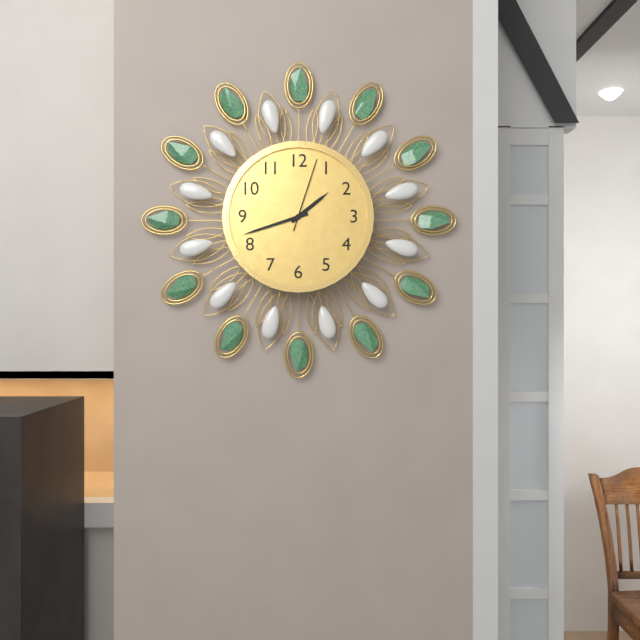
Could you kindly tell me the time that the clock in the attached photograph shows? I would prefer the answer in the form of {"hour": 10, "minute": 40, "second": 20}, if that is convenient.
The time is {"hour": 1, "minute": 42, "second": 3}
